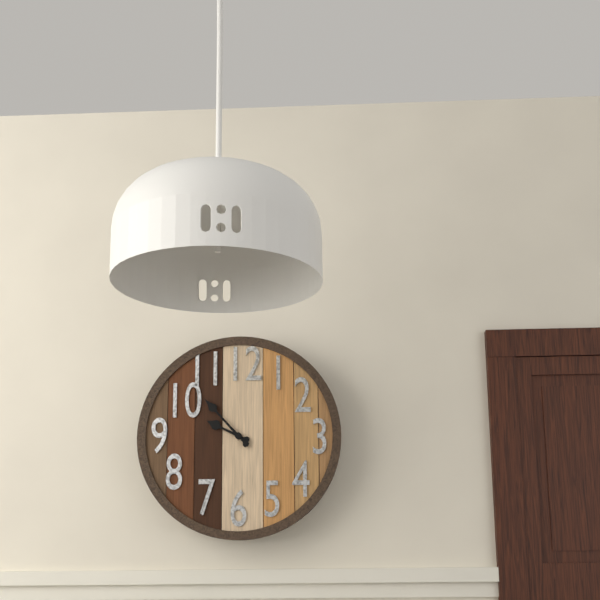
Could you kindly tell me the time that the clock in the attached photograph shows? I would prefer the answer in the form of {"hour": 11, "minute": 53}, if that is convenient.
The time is {"hour": 9, "minute": 53}
